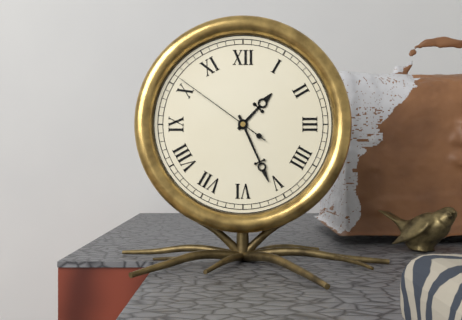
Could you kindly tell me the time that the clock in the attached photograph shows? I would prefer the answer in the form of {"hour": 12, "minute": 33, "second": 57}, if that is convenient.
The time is {"hour": 1, "minute": 26, "second": 51}
